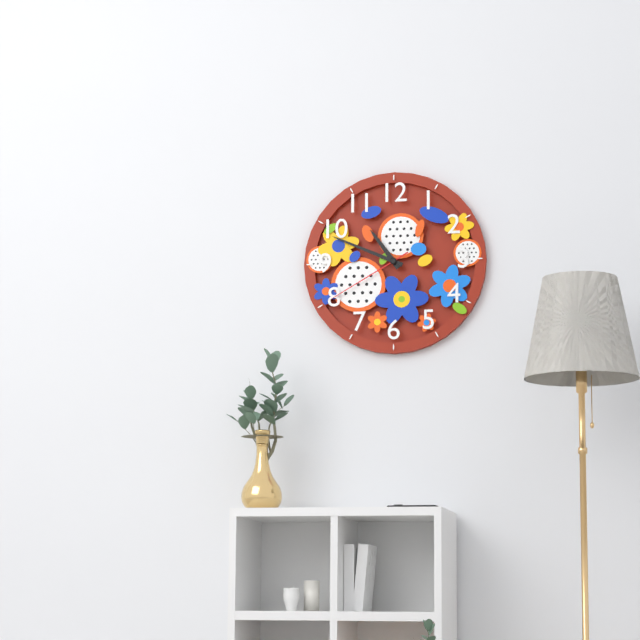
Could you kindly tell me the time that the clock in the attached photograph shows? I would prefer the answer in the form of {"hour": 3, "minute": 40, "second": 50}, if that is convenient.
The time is {"hour": 10, "minute": 49, "second": 40}
